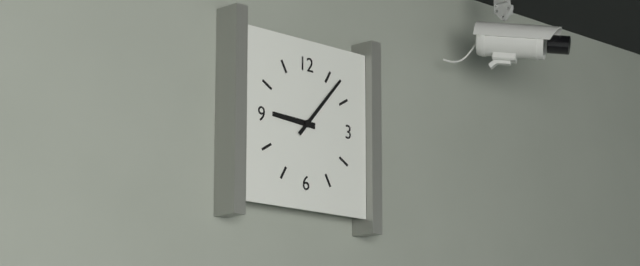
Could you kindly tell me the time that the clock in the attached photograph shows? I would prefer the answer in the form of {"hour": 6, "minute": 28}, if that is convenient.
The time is {"hour": 9, "minute": 7}
